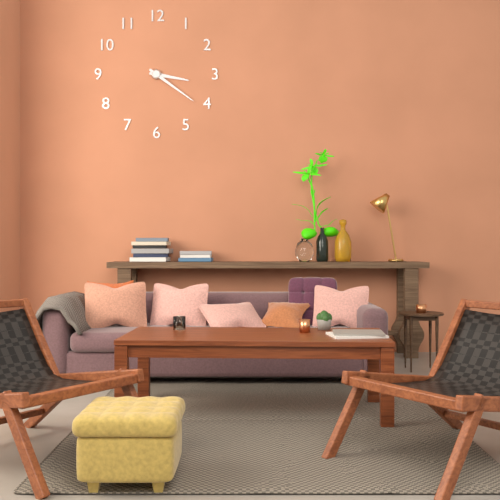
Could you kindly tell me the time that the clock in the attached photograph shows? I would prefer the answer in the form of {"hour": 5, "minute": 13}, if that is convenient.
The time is {"hour": 3, "minute": 21}
